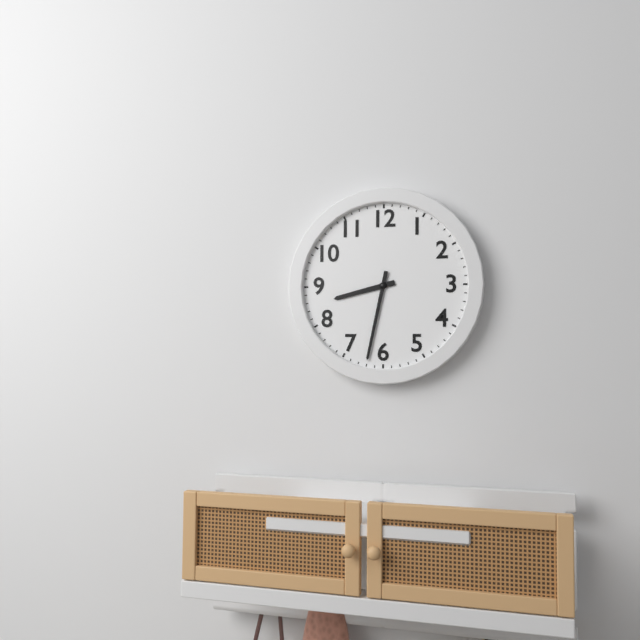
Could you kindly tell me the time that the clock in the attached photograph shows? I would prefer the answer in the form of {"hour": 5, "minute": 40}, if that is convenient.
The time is {"hour": 8, "minute": 32}
